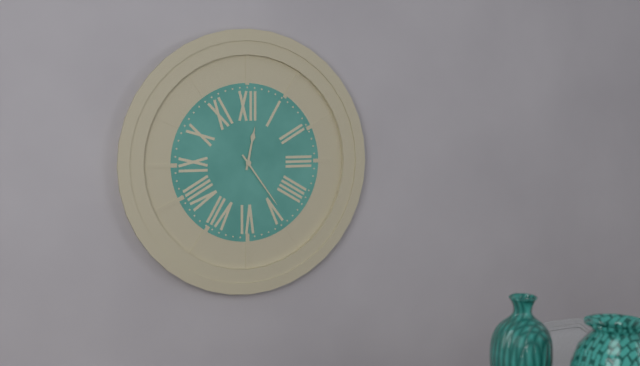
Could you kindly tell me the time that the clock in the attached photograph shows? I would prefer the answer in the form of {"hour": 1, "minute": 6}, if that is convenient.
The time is {"hour": 12, "minute": 24}
